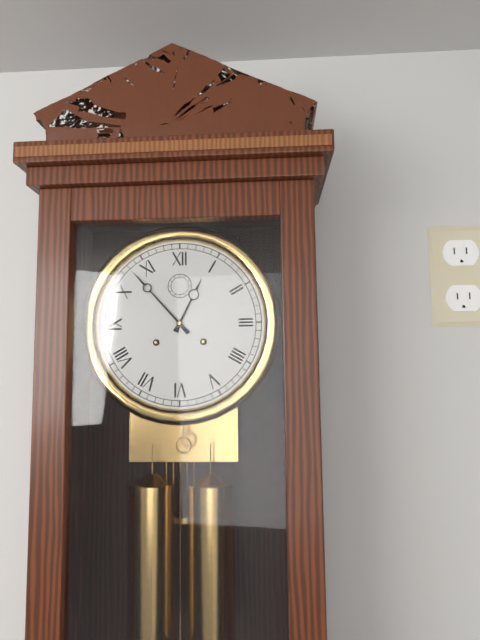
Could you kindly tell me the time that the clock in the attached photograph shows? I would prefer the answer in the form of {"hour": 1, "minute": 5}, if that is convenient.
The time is {"hour": 12, "minute": 53}
